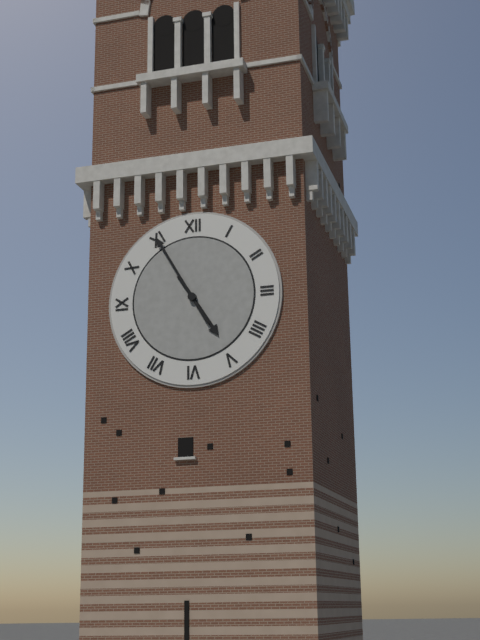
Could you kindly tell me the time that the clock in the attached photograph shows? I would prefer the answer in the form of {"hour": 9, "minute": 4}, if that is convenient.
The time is {"hour": 4, "minute": 55}
